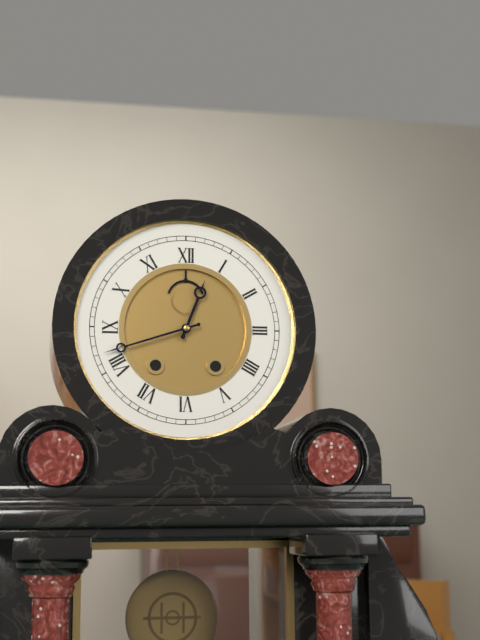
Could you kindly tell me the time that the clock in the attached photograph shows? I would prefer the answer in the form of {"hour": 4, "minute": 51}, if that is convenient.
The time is {"hour": 12, "minute": 42}
